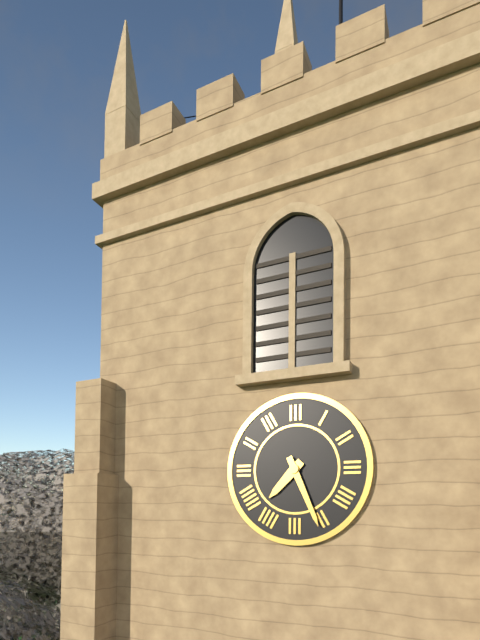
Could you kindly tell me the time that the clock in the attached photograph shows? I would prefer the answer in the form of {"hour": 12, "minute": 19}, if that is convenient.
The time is {"hour": 7, "minute": 26}
